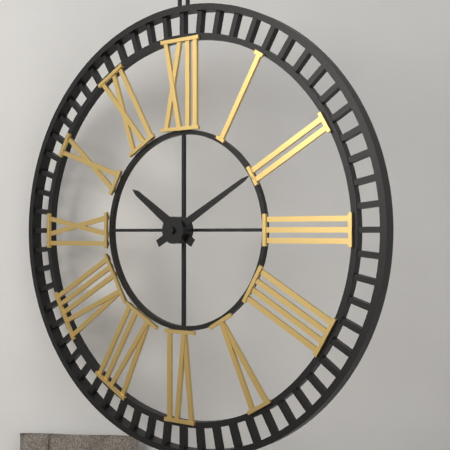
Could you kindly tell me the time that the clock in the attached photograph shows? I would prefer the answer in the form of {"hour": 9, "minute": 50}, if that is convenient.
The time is {"hour": 10, "minute": 10}
